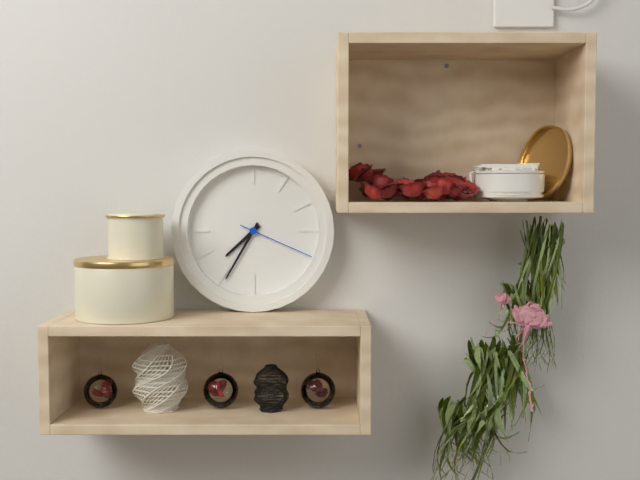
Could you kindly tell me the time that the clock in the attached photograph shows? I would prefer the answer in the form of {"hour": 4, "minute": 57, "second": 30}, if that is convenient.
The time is {"hour": 7, "minute": 35, "second": 19}
